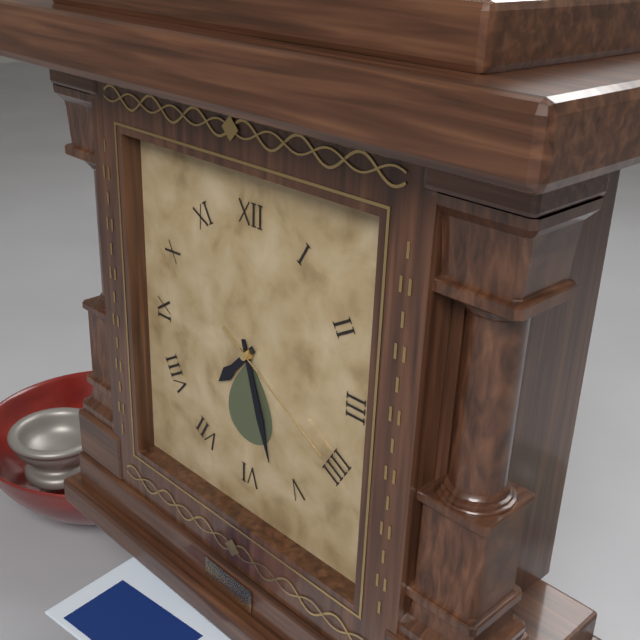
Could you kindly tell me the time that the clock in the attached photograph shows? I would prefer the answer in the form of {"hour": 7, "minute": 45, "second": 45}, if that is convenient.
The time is {"hour": 7, "minute": 27, "second": 20}
